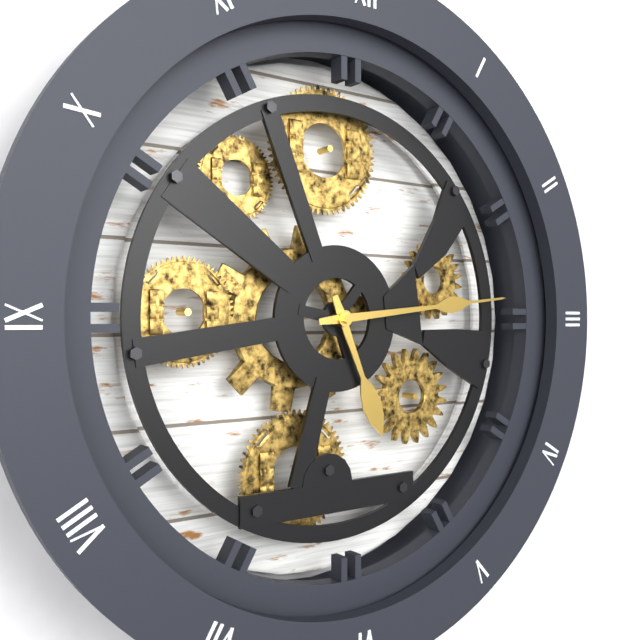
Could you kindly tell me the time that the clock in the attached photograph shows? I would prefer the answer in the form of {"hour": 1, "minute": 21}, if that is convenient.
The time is {"hour": 5, "minute": 14}
